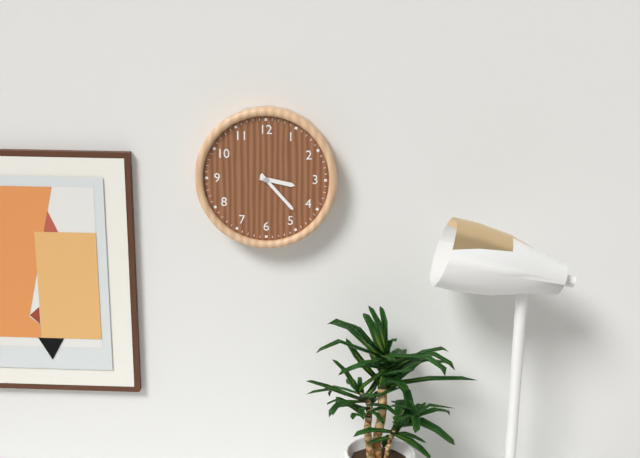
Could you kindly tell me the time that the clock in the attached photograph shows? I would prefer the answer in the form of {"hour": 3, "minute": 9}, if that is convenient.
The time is {"hour": 3, "minute": 23}
